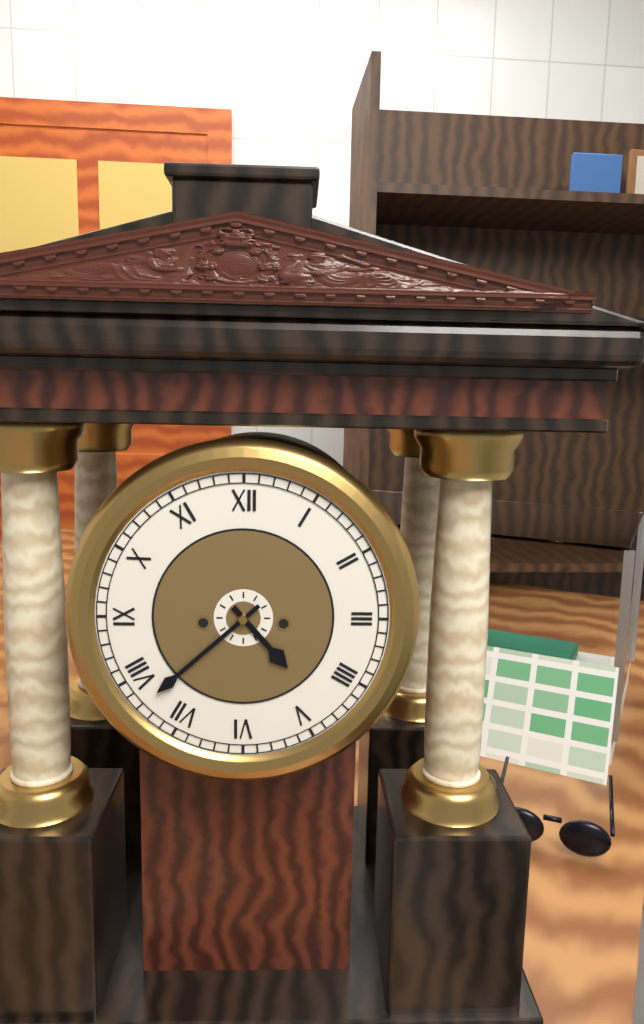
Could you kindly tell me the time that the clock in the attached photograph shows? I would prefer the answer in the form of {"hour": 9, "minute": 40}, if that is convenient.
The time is {"hour": 4, "minute": 38}
